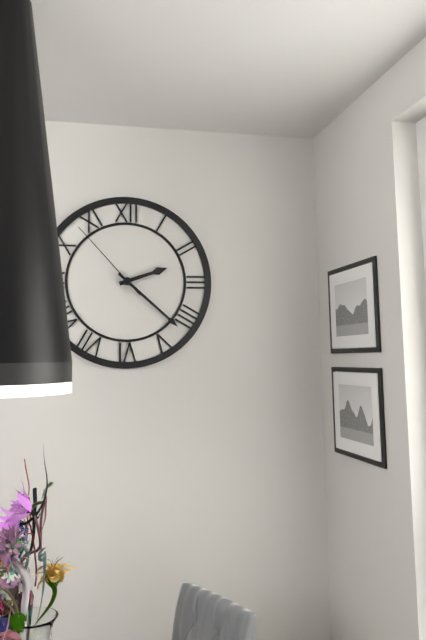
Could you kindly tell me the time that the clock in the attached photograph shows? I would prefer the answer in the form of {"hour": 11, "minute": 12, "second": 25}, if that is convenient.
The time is {"hour": 2, "minute": 22, "second": 53}
